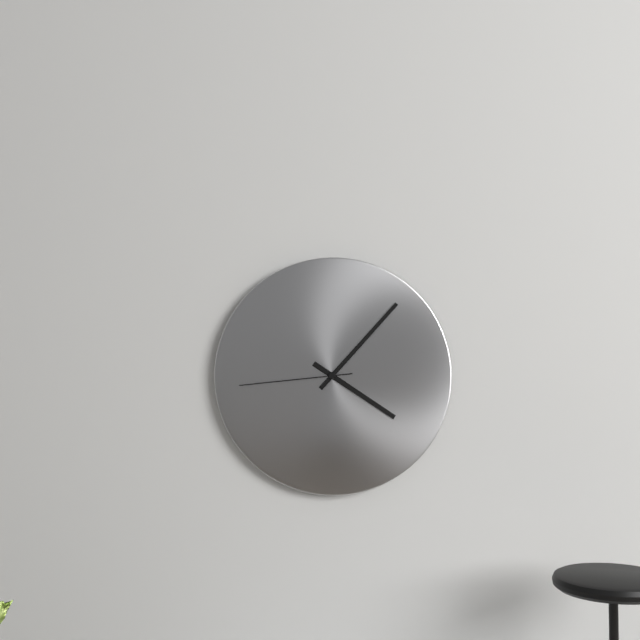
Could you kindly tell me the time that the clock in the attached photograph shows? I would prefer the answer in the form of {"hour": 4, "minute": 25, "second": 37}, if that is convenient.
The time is {"hour": 4, "minute": 7, "second": 44}
